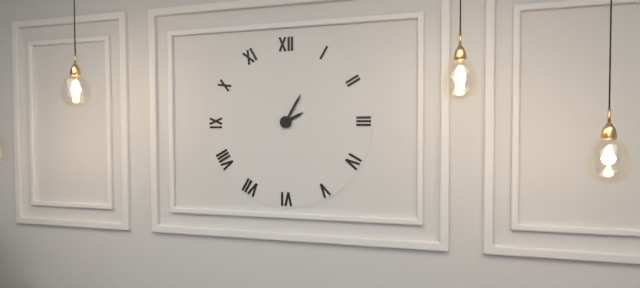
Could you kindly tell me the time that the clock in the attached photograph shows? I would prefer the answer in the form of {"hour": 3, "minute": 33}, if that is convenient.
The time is {"hour": 2, "minute": 5}
